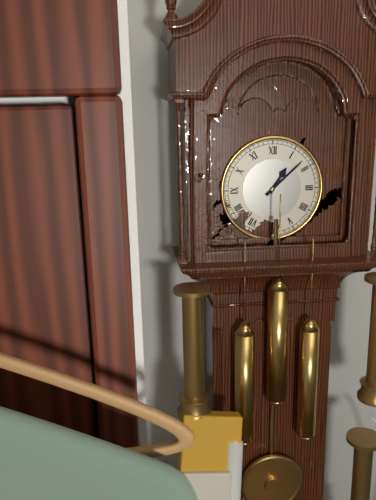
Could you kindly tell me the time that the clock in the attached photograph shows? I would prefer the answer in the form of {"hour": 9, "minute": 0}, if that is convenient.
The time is {"hour": 1, "minute": 8}
